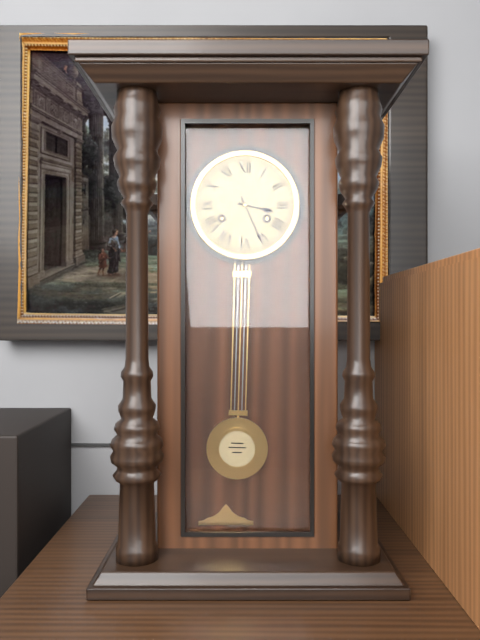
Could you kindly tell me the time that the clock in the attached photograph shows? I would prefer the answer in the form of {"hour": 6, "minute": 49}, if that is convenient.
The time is {"hour": 3, "minute": 26}
